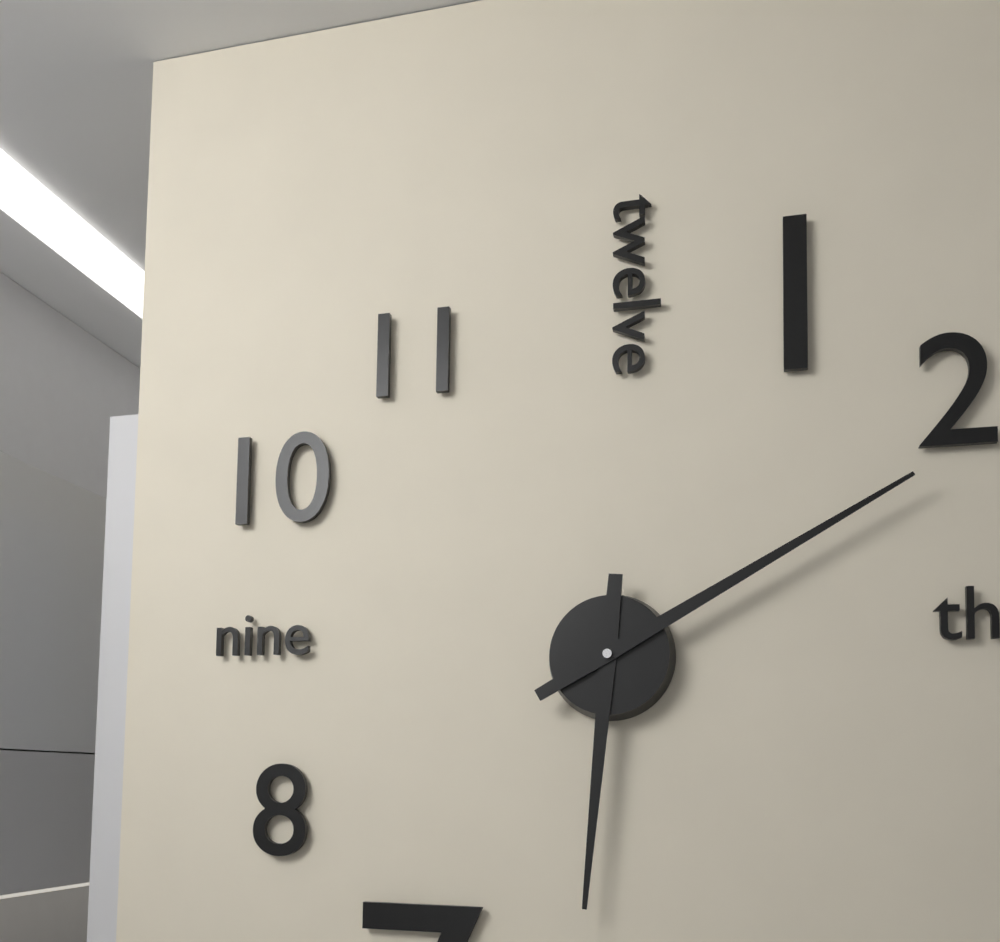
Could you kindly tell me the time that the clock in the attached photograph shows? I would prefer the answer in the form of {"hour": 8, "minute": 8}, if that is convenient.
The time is {"hour": 6, "minute": 10}
